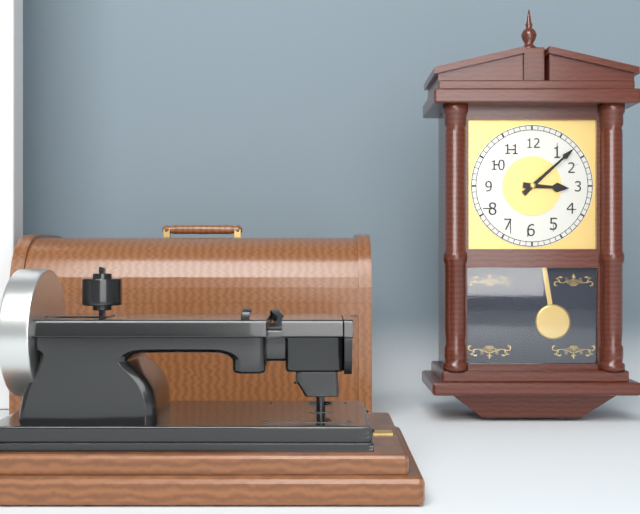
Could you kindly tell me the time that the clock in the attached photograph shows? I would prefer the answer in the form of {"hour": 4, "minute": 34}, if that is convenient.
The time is {"hour": 3, "minute": 8}
